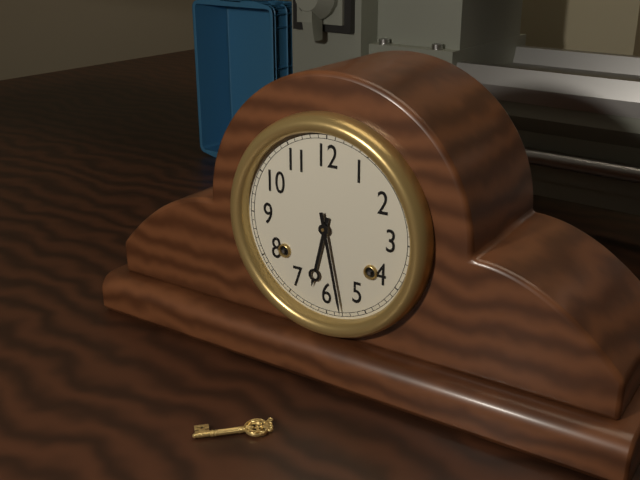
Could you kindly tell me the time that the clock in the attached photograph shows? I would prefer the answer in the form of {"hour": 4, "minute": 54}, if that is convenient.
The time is {"hour": 6, "minute": 28}
